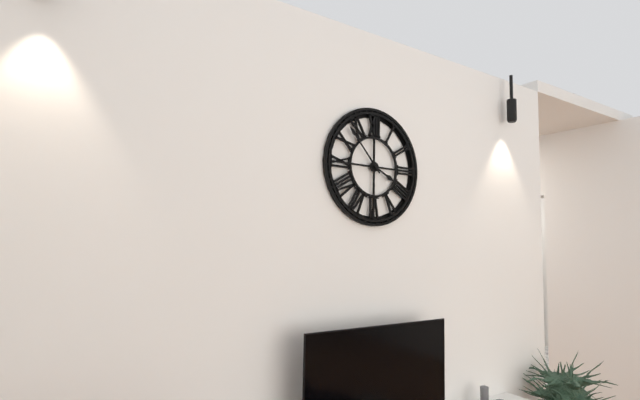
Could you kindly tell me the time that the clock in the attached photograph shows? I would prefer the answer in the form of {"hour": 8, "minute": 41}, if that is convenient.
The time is {"hour": 3, "minute": 53}
